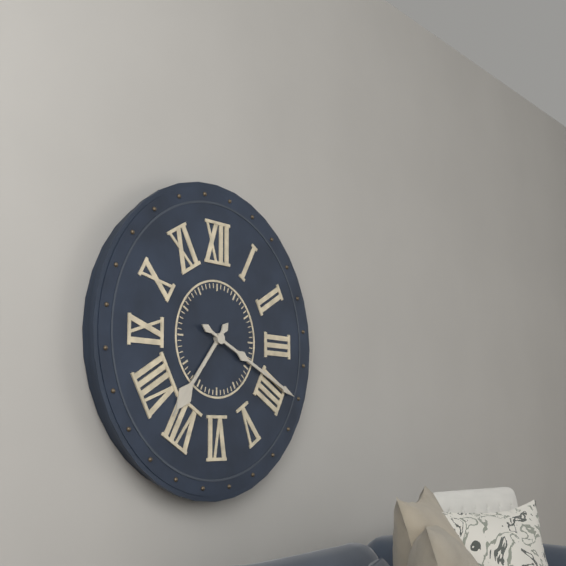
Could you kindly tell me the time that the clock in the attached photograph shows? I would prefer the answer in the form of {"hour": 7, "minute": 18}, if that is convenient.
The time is {"hour": 7, "minute": 19}
